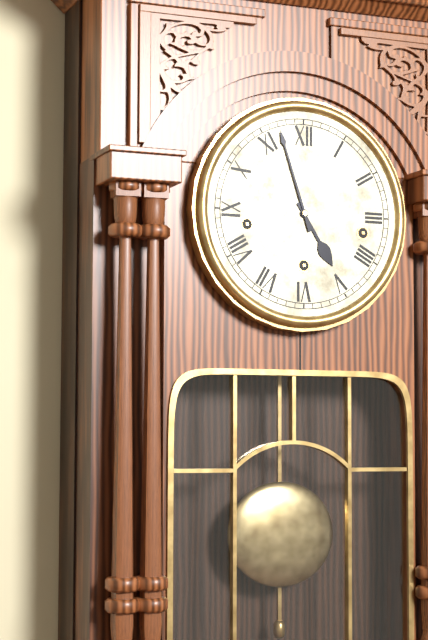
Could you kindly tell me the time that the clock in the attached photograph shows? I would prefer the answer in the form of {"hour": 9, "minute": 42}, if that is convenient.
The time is {"hour": 4, "minute": 57}
